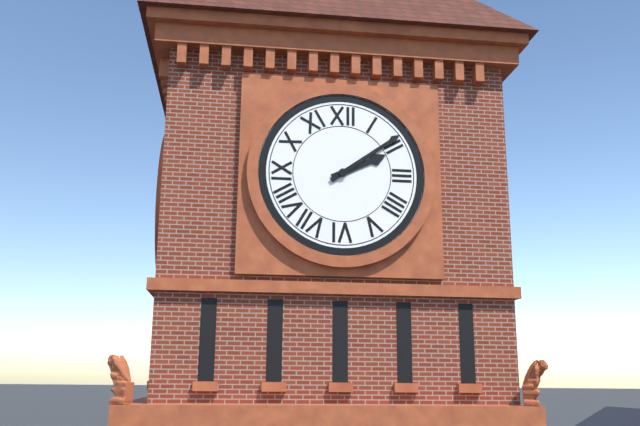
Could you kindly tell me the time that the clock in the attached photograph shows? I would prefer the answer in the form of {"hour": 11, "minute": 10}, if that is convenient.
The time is {"hour": 2, "minute": 9}
